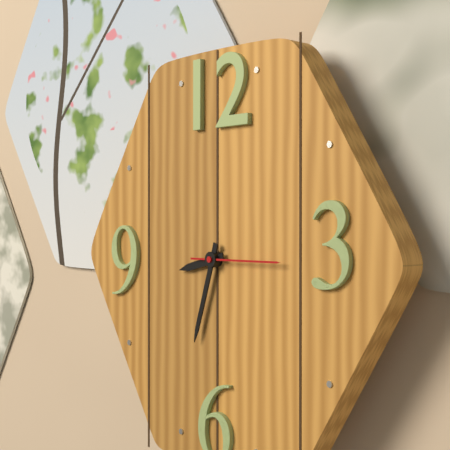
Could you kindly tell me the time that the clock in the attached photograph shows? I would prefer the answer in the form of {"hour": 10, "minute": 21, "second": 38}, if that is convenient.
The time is {"hour": 8, "minute": 33, "second": 15}
